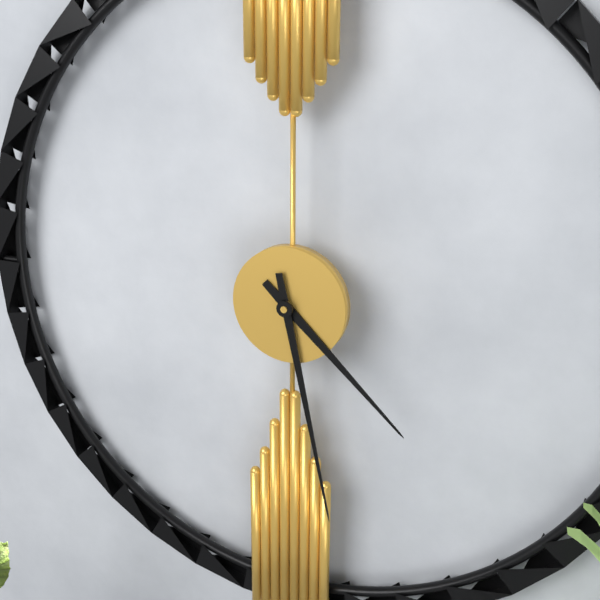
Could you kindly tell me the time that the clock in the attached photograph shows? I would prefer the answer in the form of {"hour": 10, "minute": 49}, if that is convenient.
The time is {"hour": 4, "minute": 28}
